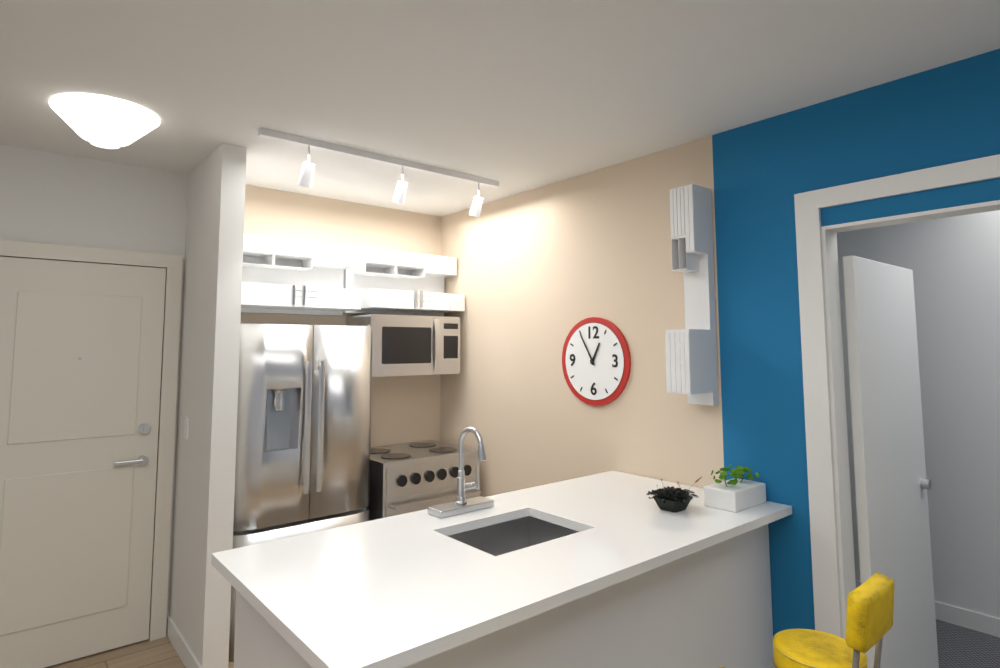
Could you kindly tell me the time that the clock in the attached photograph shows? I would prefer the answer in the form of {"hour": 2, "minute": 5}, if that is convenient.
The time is {"hour": 12, "minute": 55}
